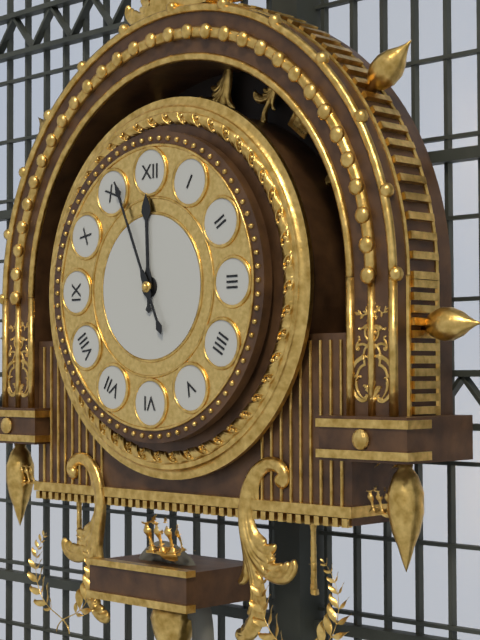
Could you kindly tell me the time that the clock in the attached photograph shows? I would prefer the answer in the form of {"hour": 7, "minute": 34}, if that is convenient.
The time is {"hour": 11, "minute": 56}
